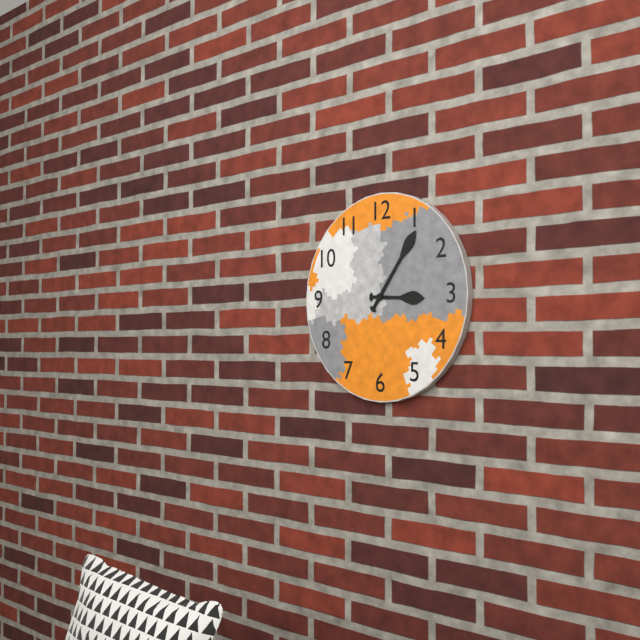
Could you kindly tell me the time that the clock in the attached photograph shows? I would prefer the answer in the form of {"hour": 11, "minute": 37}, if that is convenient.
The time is {"hour": 3, "minute": 6}
